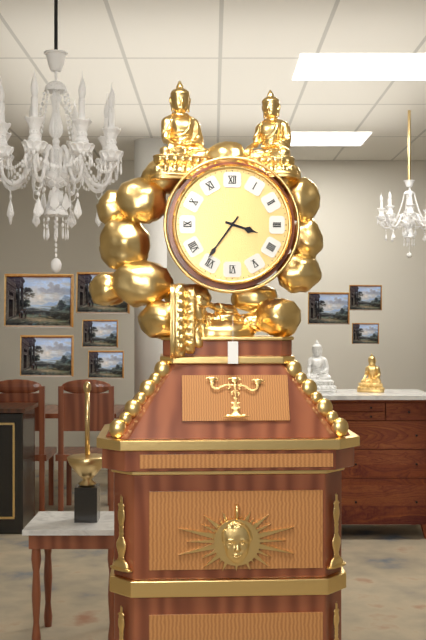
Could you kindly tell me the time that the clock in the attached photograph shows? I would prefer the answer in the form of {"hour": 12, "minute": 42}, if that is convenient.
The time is {"hour": 3, "minute": 36}
